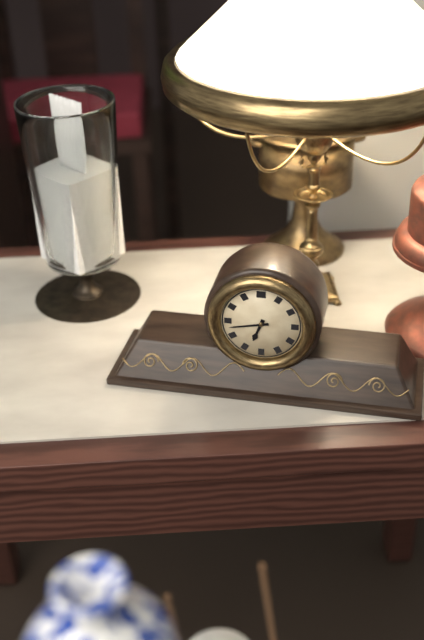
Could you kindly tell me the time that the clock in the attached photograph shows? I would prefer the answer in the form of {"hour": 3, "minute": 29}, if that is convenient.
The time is {"hour": 6, "minute": 43}
